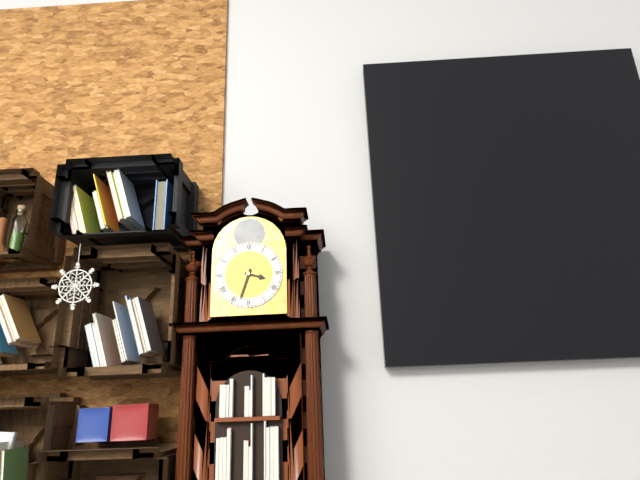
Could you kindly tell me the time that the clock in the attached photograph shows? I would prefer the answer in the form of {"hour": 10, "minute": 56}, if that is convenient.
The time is {"hour": 3, "minute": 33}
